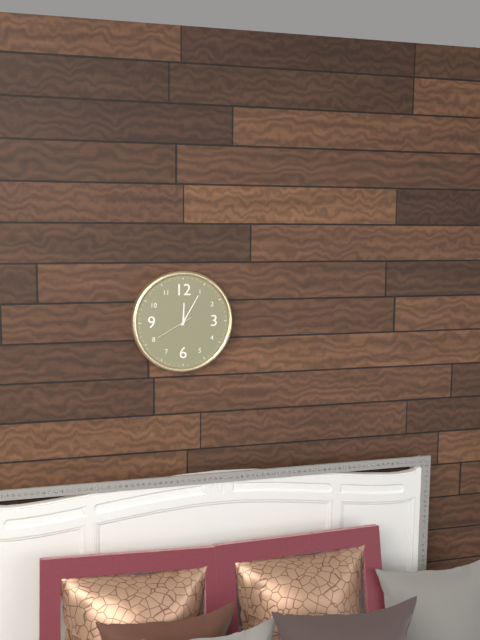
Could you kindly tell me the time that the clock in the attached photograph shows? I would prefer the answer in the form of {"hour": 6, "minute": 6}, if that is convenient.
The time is {"hour": 12, "minute": 5}
